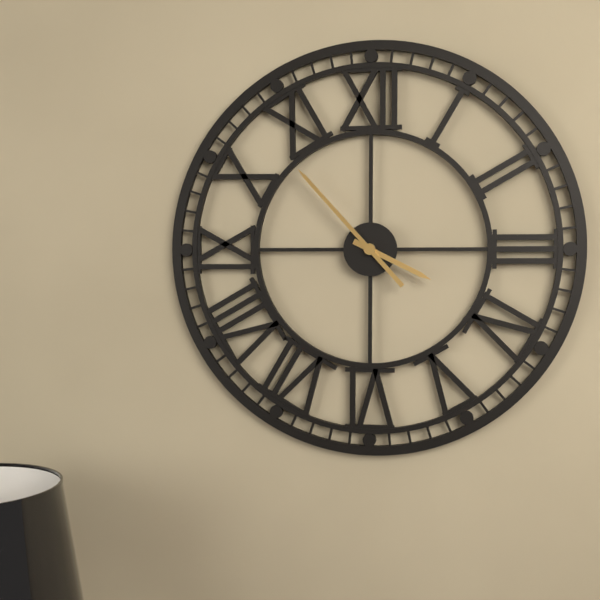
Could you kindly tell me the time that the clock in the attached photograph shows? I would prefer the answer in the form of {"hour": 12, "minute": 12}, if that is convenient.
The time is {"hour": 3, "minute": 53}
